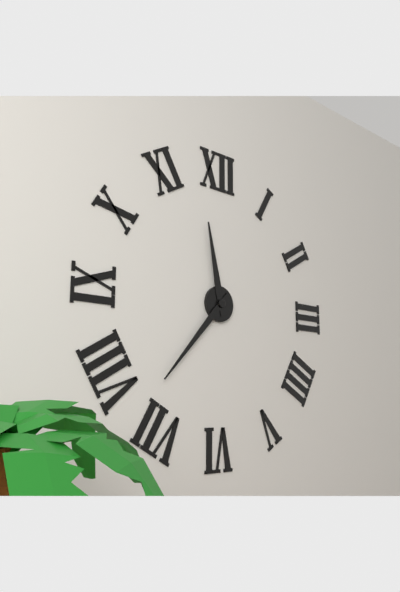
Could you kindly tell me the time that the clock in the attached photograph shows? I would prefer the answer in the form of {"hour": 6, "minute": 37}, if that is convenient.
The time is {"hour": 11, "minute": 37}
